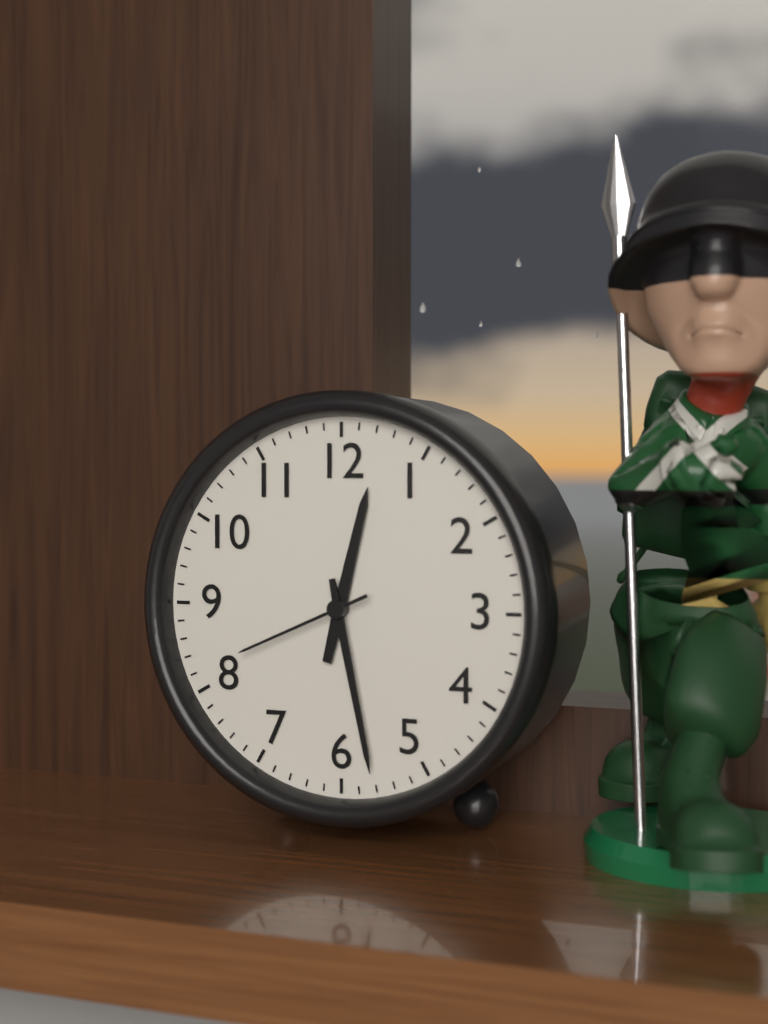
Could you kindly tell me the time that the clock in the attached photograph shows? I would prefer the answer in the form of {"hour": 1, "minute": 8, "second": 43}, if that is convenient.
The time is {"hour": 12, "minute": 28, "second": 41}
